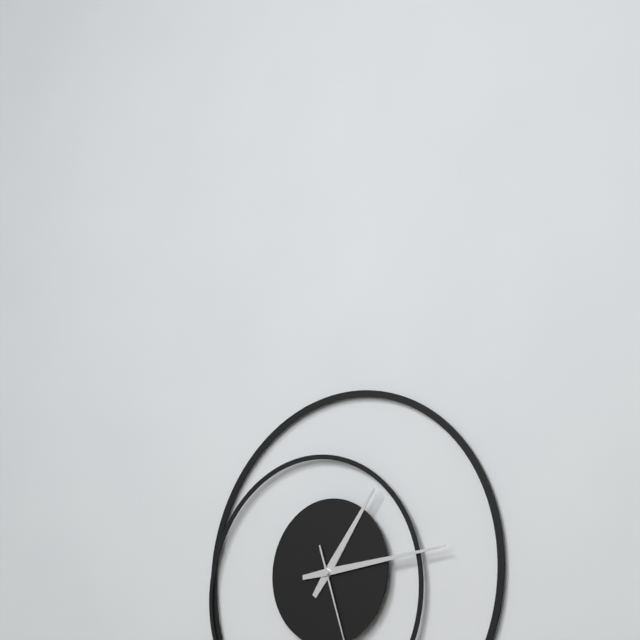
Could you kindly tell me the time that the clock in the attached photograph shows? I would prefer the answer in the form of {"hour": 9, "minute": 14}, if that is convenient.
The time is {"hour": 1, "minute": 14}
